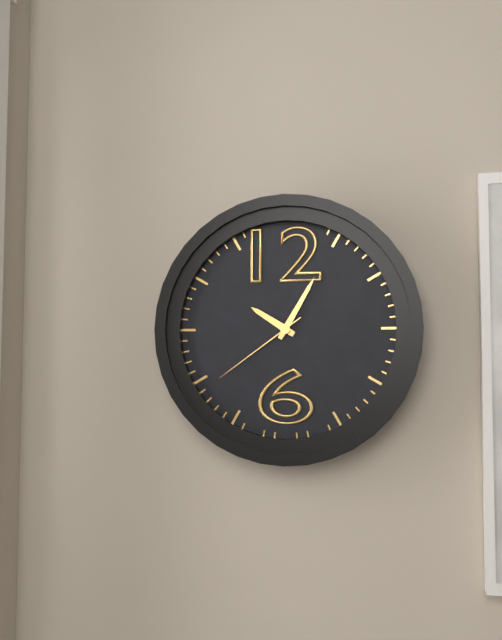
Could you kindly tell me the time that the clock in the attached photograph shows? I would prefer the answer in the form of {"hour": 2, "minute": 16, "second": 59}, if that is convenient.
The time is {"hour": 10, "minute": 5, "second": 39}
